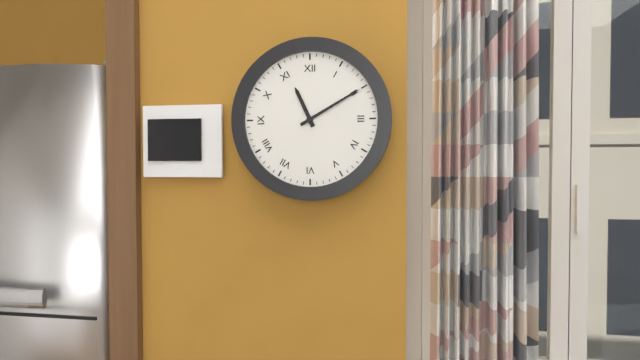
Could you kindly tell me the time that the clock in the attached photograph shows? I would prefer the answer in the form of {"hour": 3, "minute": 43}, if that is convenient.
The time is {"hour": 11, "minute": 10}
